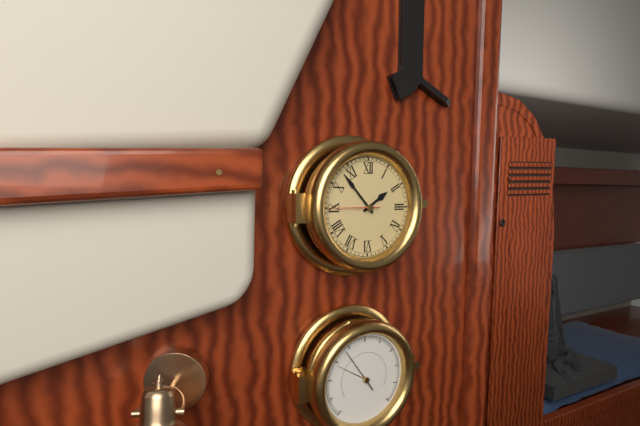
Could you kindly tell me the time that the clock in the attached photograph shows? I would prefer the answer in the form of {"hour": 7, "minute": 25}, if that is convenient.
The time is {"hour": 1, "minute": 53}
